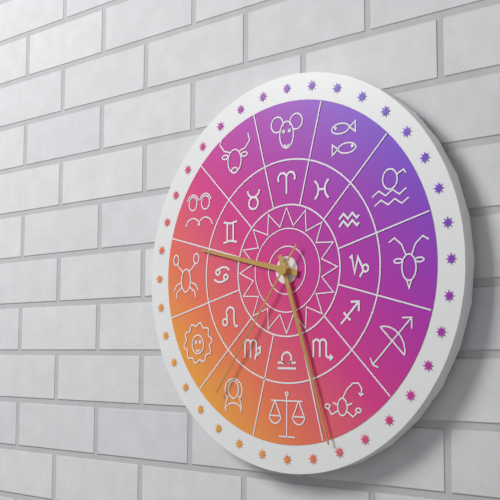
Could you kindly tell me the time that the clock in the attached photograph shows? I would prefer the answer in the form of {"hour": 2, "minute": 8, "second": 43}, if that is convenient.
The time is {"hour": 9, "minute": 27, "second": 36}
